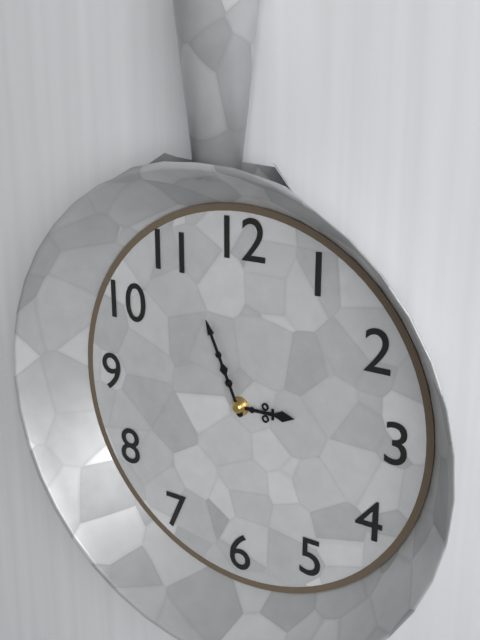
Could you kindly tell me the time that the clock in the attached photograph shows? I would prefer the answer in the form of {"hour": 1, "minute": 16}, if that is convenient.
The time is {"hour": 2, "minute": 56}
